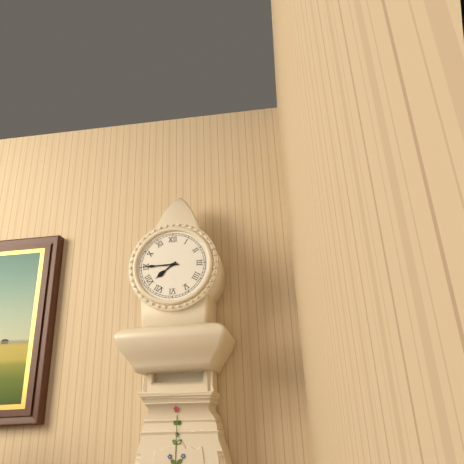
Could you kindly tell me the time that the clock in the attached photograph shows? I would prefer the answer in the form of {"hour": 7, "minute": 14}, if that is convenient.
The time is {"hour": 7, "minute": 45}
